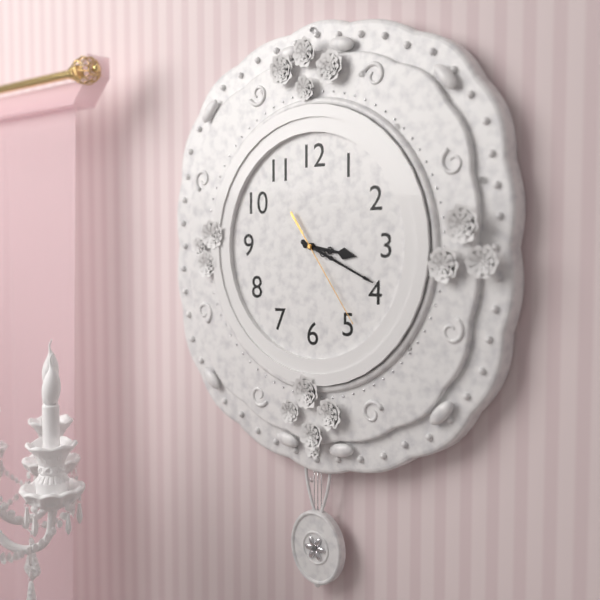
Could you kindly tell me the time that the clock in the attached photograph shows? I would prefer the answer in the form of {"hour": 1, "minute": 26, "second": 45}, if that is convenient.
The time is {"hour": 3, "minute": 19, "second": 24}
